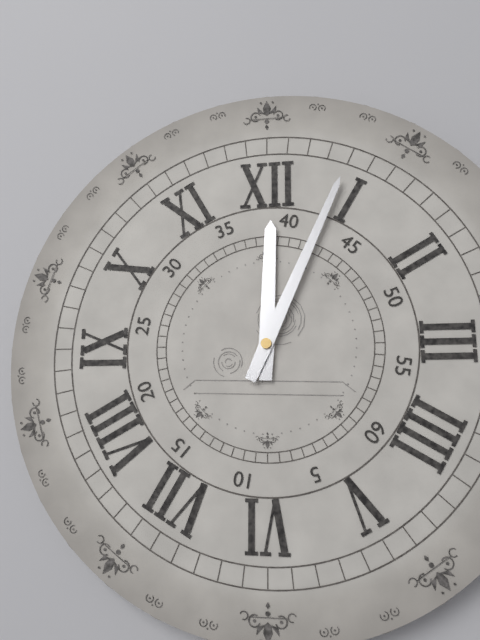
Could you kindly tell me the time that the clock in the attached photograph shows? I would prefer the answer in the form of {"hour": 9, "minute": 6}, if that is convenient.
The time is {"hour": 12, "minute": 4}
